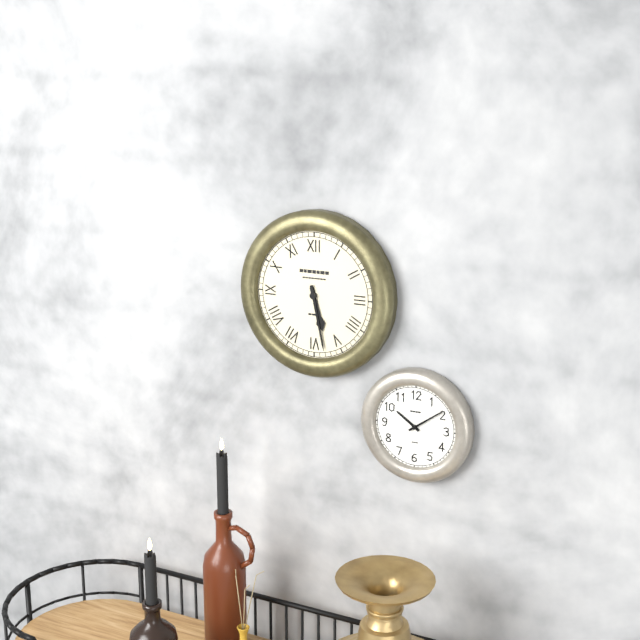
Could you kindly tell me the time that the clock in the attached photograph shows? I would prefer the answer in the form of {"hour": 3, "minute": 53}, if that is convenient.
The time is {"hour": 5, "minute": 28}
